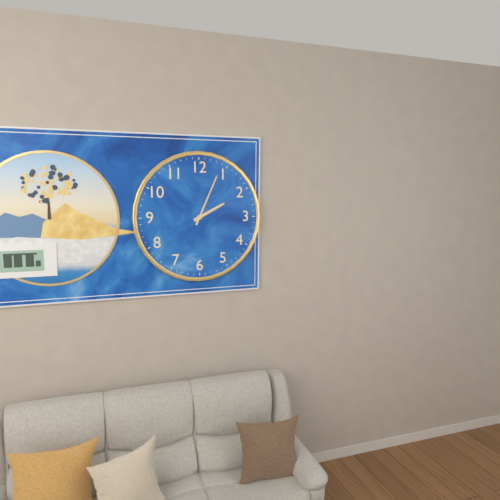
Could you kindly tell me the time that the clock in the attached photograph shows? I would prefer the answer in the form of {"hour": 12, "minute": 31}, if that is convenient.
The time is {"hour": 2, "minute": 4}
